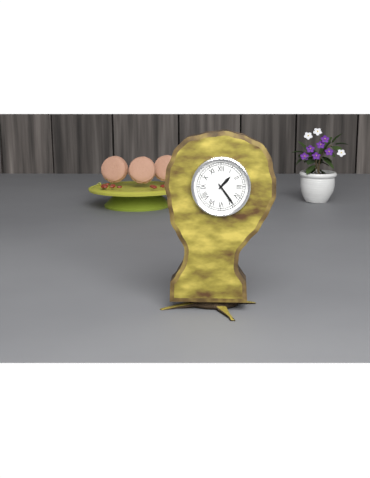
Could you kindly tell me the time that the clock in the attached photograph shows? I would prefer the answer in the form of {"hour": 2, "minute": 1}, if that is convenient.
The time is {"hour": 1, "minute": 24}
